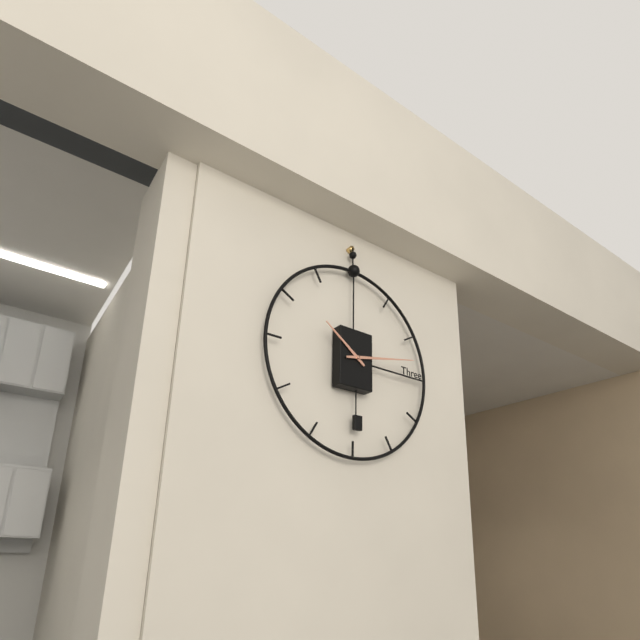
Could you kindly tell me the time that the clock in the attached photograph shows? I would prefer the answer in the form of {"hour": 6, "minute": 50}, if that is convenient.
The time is {"hour": 10, "minute": 13}
